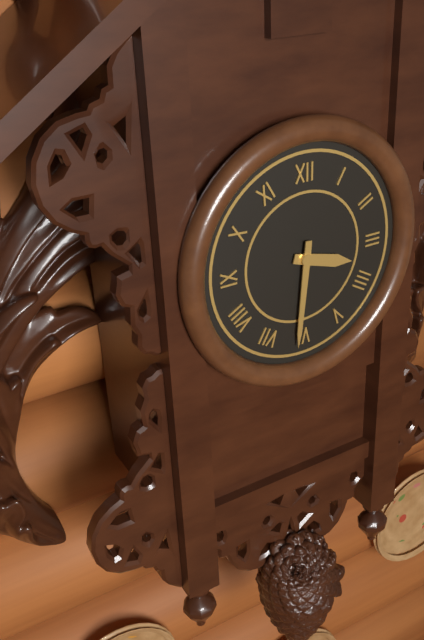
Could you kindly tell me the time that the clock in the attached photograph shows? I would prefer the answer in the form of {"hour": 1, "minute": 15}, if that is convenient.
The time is {"hour": 3, "minute": 31}
